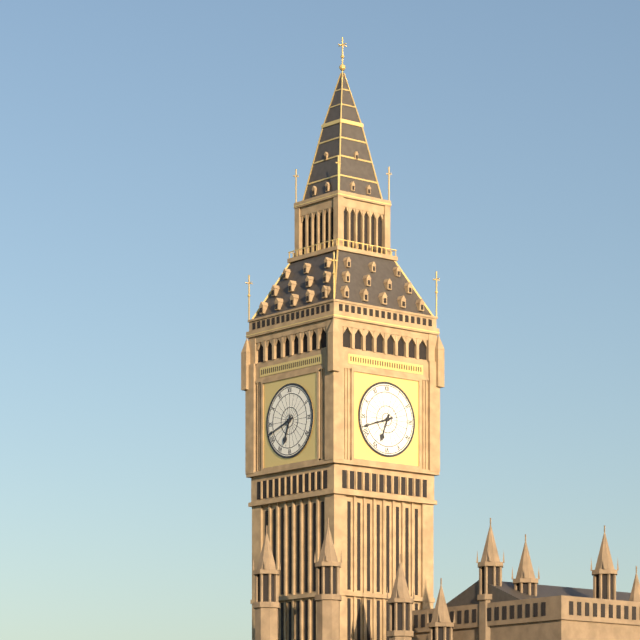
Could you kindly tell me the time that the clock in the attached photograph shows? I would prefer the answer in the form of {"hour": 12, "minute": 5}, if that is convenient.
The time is {"hour": 6, "minute": 42}
